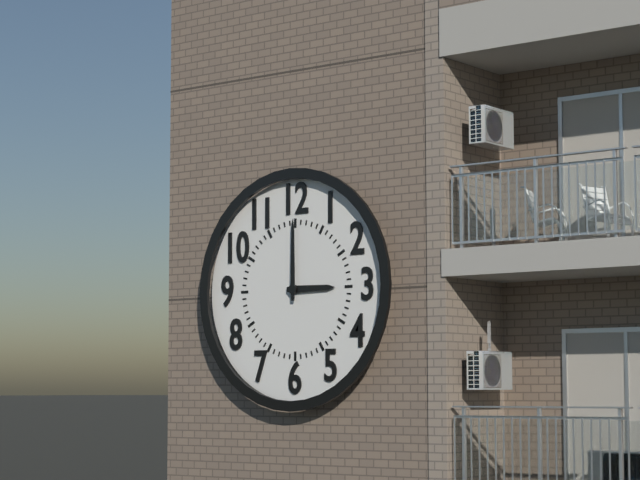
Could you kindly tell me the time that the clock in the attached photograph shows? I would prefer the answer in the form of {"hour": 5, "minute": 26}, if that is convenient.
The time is {"hour": 3, "minute": 0}
